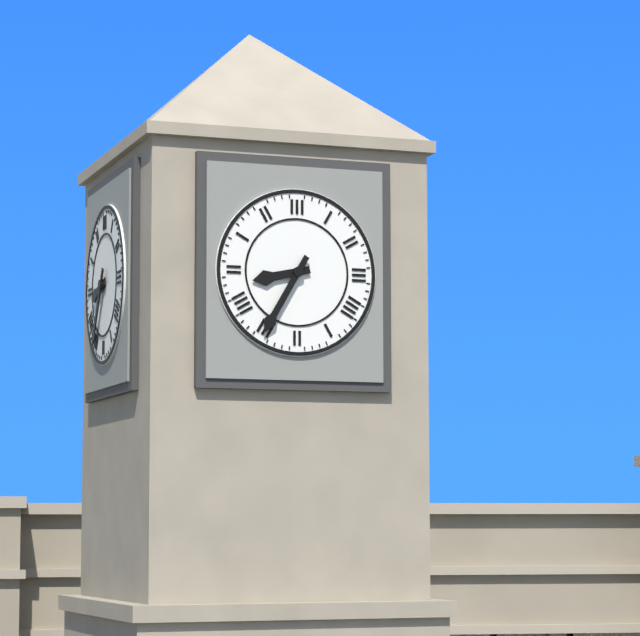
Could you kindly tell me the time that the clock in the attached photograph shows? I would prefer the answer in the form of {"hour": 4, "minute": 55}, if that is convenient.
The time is {"hour": 8, "minute": 35}
